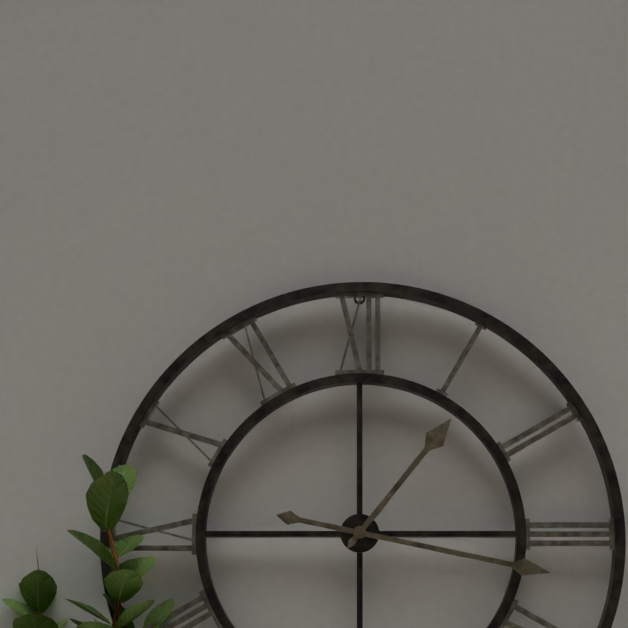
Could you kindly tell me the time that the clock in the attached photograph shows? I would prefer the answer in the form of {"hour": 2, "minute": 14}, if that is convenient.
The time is {"hour": 1, "minute": 17}
